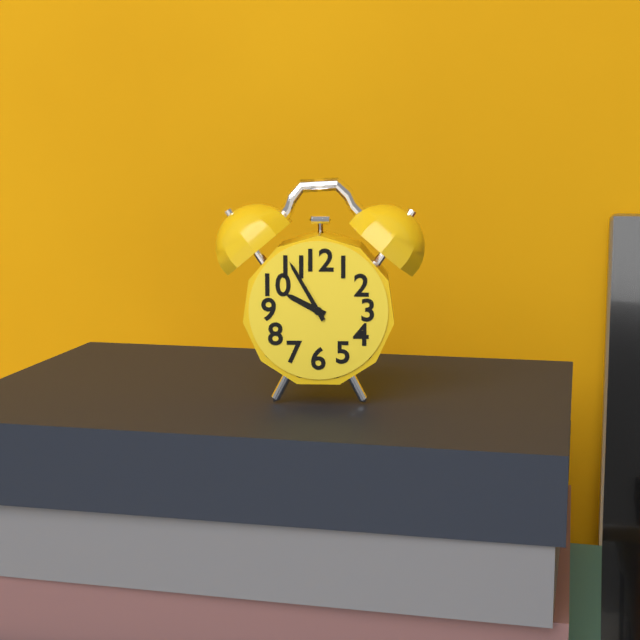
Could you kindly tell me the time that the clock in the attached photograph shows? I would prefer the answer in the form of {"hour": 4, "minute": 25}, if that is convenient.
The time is {"hour": 9, "minute": 55}
